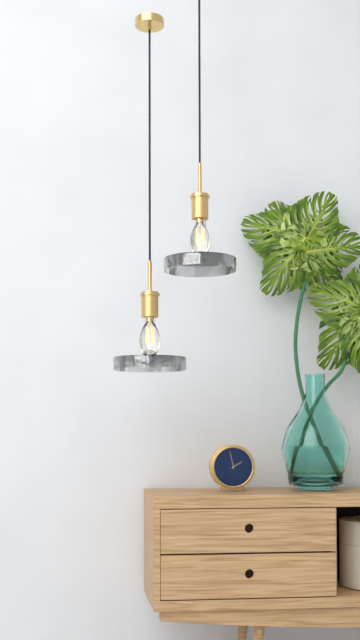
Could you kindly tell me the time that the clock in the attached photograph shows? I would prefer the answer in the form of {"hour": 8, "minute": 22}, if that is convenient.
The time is {"hour": 1, "minute": 58}
